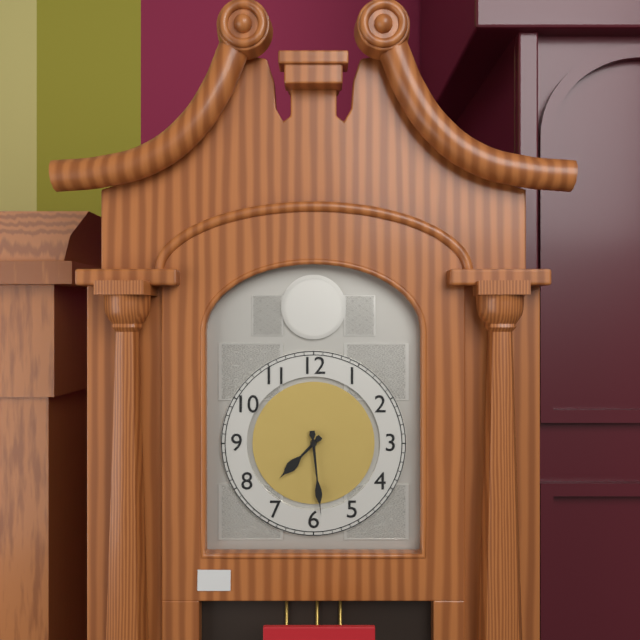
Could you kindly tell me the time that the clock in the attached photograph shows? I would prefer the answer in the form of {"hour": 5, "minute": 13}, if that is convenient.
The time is {"hour": 7, "minute": 29}
